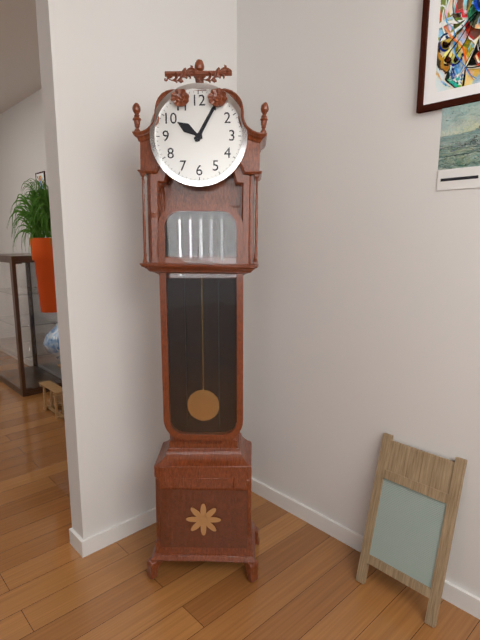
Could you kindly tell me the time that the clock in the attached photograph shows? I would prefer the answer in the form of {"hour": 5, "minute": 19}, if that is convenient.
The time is {"hour": 10, "minute": 5}
